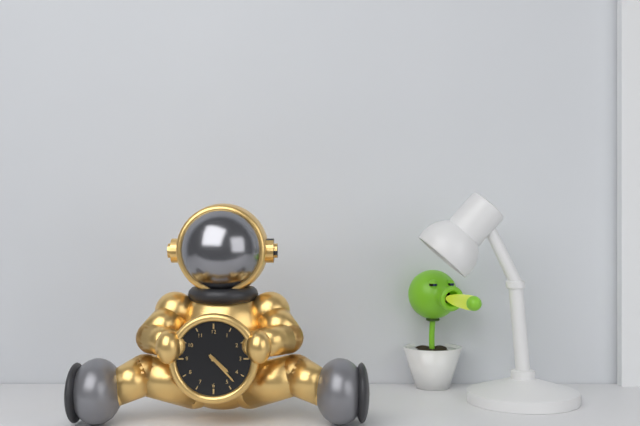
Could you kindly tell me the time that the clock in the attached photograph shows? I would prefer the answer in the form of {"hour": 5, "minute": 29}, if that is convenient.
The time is {"hour": 4, "minute": 23}
